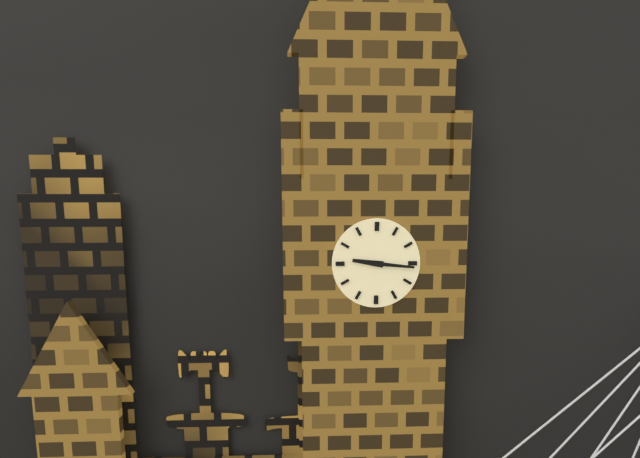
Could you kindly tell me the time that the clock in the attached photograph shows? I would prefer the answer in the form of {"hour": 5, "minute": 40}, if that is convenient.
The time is {"hour": 9, "minute": 16}
